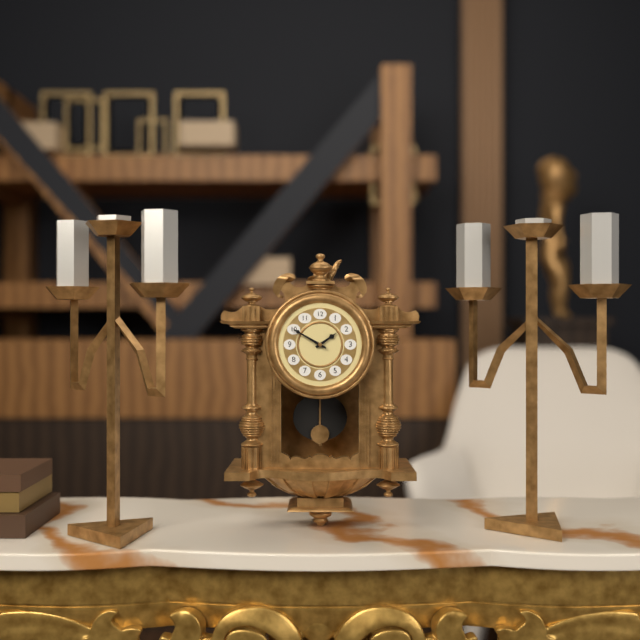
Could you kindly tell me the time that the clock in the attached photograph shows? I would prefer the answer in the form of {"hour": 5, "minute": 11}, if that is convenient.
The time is {"hour": 1, "minute": 50}
